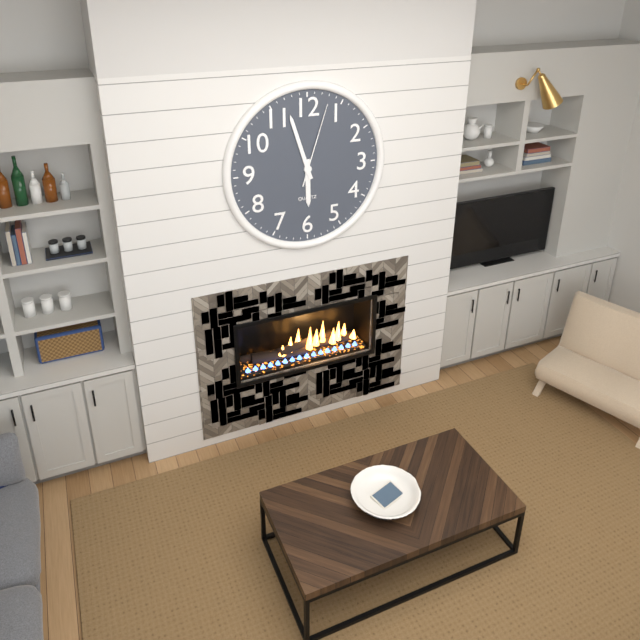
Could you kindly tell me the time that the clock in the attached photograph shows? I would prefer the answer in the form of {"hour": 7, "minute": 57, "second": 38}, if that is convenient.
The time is {"hour": 5, "minute": 57, "second": 3}
